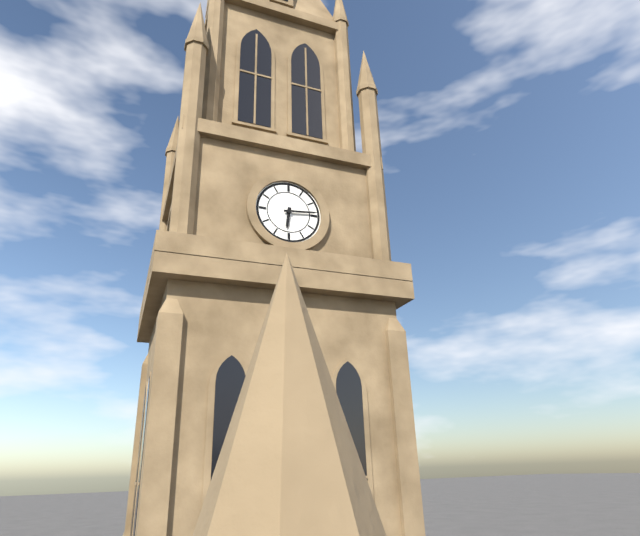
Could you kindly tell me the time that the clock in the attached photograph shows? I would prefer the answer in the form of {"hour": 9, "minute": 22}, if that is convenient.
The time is {"hour": 6, "minute": 14}
